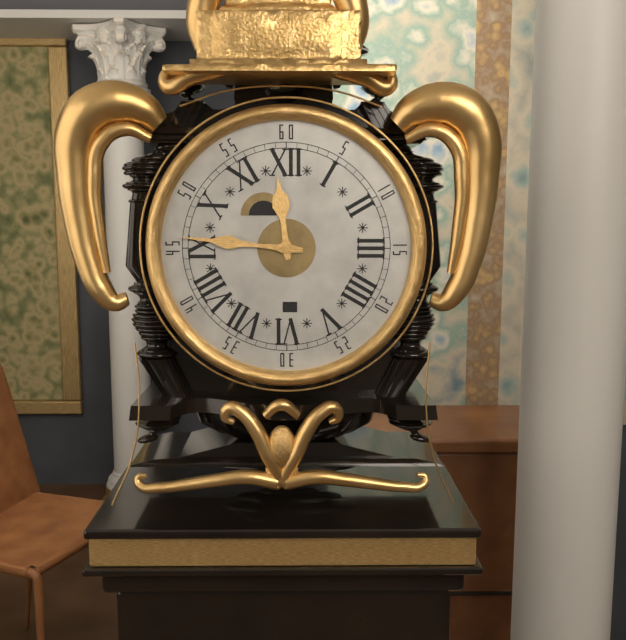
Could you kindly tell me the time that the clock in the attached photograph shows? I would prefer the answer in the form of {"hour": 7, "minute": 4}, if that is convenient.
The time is {"hour": 11, "minute": 46}
